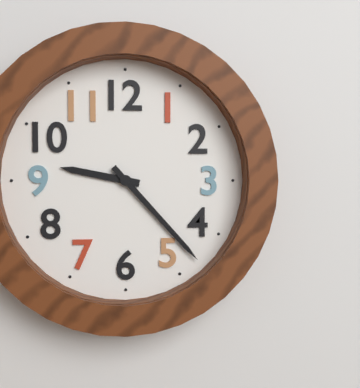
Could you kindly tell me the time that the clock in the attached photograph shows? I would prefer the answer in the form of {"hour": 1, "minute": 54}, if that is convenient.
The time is {"hour": 9, "minute": 23}
